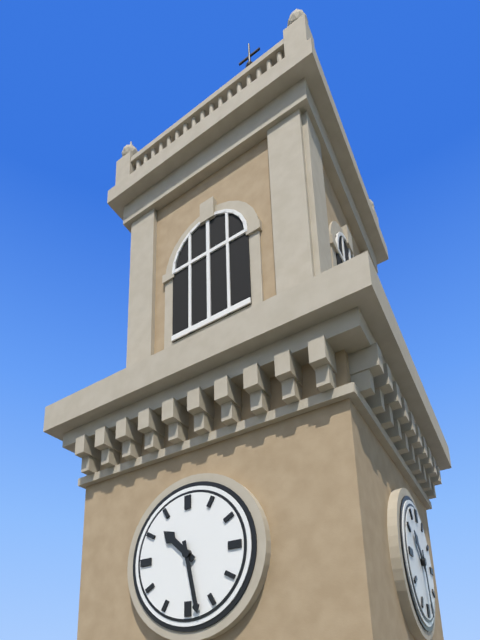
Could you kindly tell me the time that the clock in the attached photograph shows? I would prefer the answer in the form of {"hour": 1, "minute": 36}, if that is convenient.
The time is {"hour": 10, "minute": 28}
